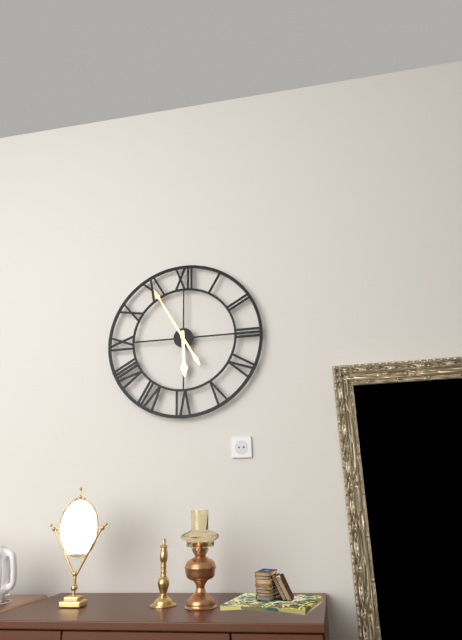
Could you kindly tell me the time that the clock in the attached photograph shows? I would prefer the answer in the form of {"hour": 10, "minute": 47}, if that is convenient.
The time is {"hour": 5, "minute": 55}
